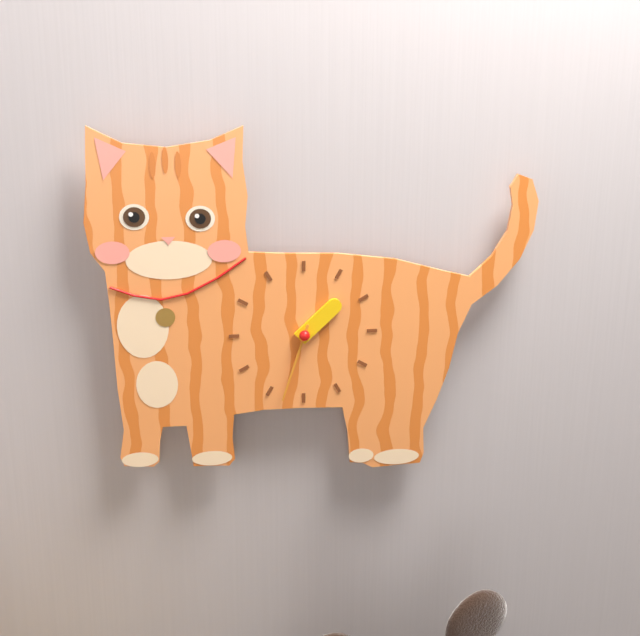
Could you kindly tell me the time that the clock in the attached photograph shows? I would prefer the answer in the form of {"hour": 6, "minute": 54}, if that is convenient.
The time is {"hour": 1, "minute": 33}
